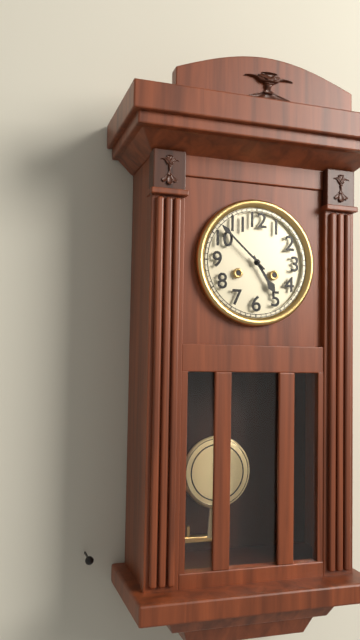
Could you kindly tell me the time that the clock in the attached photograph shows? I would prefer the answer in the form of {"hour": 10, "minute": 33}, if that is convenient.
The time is {"hour": 4, "minute": 52}
